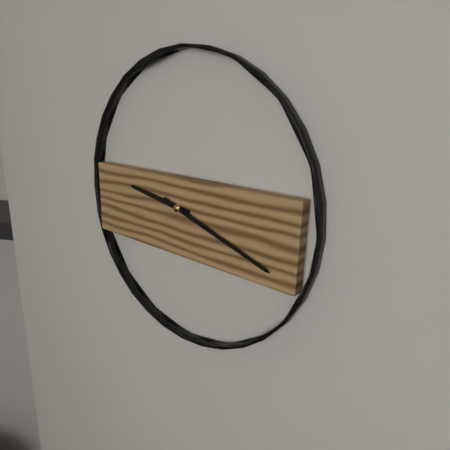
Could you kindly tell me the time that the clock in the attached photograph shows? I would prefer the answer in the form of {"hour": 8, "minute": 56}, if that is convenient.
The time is {"hour": 9, "minute": 18}
